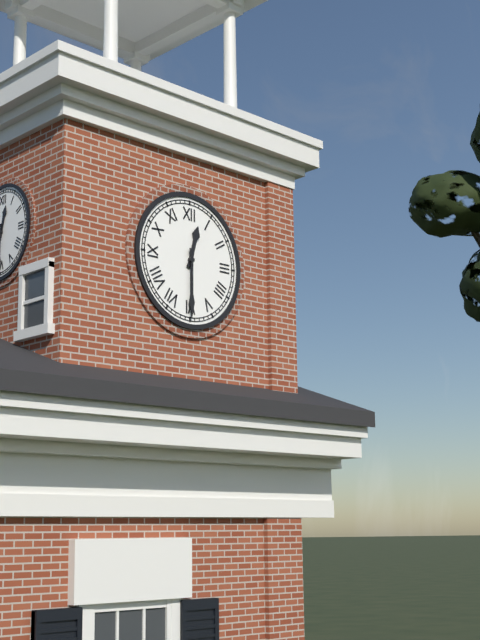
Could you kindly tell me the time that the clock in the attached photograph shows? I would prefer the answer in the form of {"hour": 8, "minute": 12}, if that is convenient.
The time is {"hour": 12, "minute": 30}
